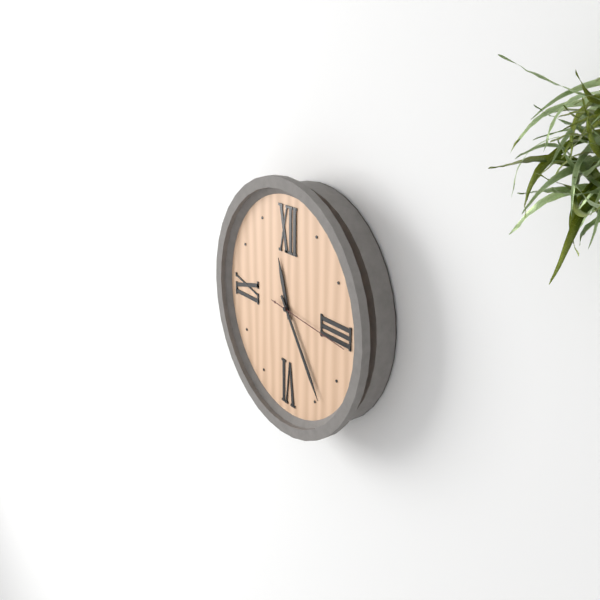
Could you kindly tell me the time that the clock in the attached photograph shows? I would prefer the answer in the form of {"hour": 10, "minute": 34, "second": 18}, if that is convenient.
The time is {"hour": 11, "minute": 24, "second": 16}
